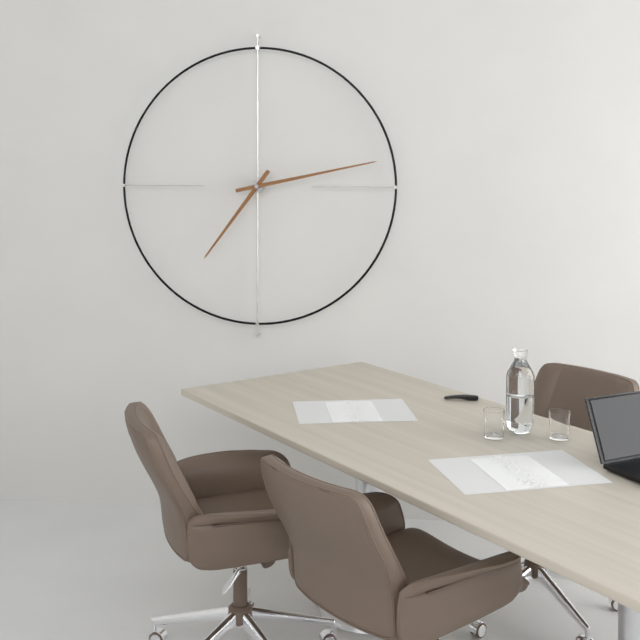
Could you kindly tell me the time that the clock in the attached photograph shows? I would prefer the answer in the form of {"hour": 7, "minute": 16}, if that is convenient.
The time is {"hour": 7, "minute": 13}
